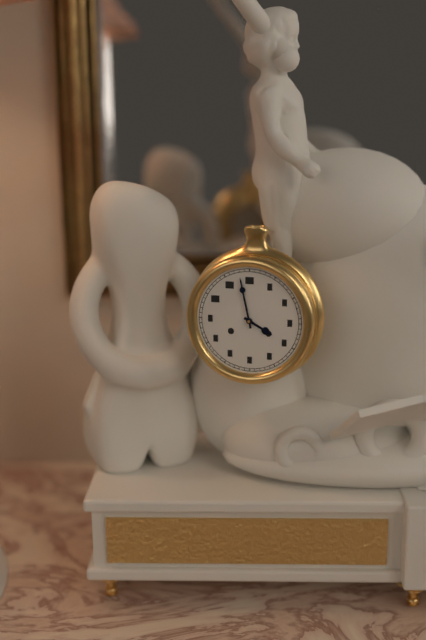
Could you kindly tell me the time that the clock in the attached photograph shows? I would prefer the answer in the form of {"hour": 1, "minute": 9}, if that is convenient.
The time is {"hour": 3, "minute": 58}
